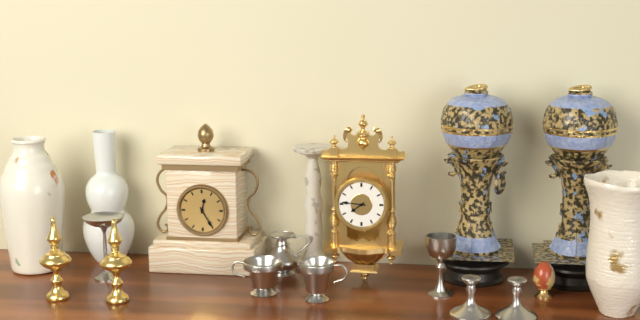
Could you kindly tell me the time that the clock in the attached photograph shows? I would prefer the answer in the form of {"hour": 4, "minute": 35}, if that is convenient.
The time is {"hour": 7, "minute": 46}
